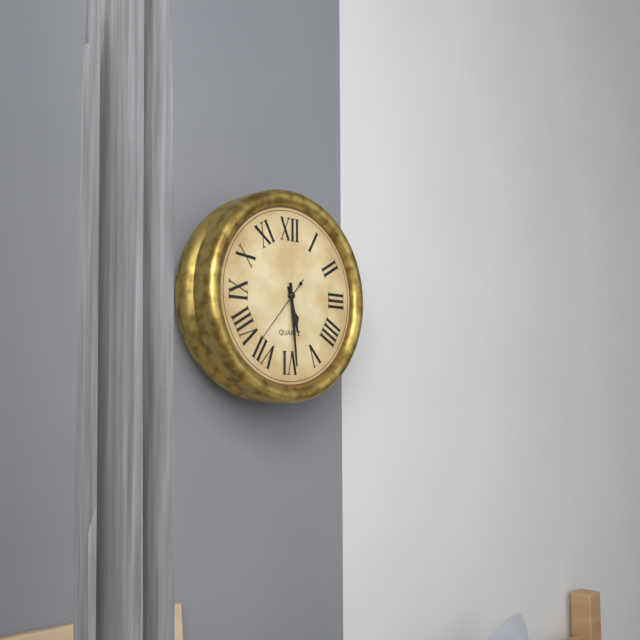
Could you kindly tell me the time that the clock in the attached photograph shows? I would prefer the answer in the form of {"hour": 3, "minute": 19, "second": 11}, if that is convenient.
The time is {"hour": 5, "minute": 29, "second": 37}
